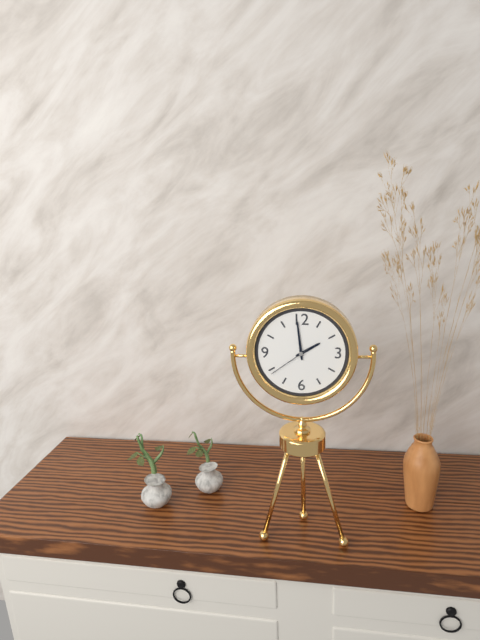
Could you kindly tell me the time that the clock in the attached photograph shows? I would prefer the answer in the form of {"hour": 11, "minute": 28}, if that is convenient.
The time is {"hour": 1, "minute": 59}
